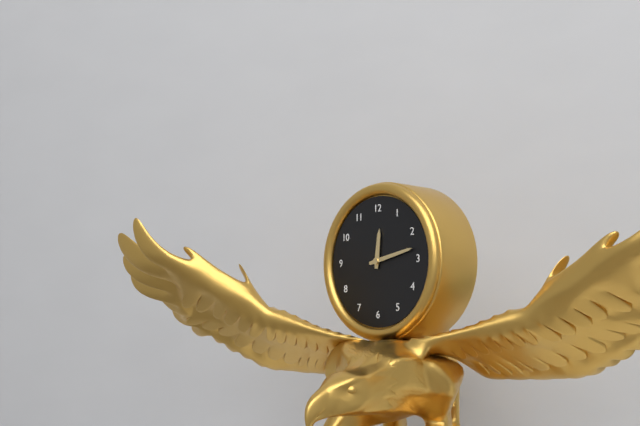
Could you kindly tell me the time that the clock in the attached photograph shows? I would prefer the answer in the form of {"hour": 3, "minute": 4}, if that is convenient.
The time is {"hour": 12, "minute": 13}
